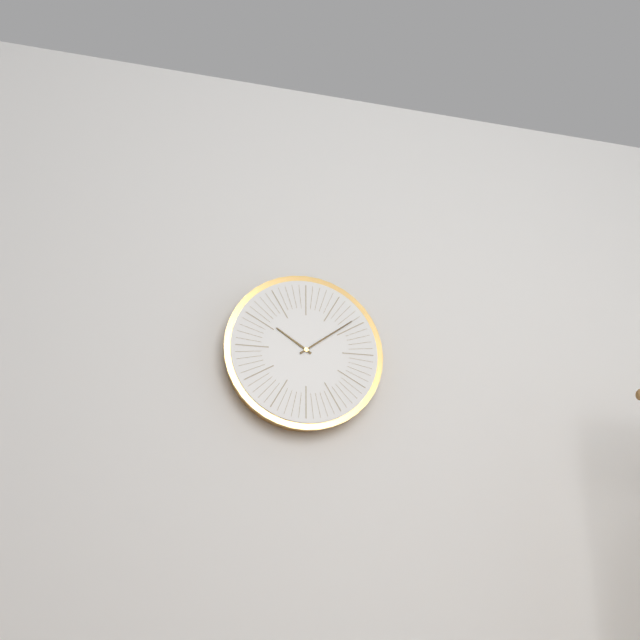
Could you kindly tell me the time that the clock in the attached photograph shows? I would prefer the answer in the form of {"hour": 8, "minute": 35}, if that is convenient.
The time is {"hour": 10, "minute": 9}
